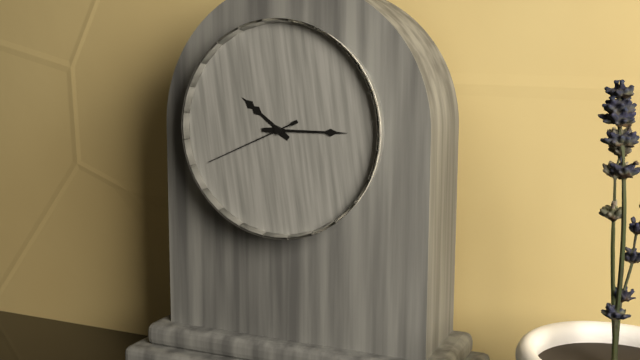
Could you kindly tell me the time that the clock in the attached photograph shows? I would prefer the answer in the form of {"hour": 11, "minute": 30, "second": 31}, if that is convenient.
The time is {"hour": 10, "minute": 15, "second": 41}
